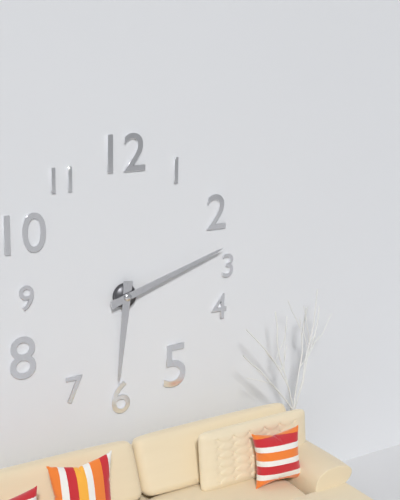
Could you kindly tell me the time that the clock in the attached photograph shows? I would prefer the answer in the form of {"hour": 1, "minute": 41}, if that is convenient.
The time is {"hour": 6, "minute": 12}
